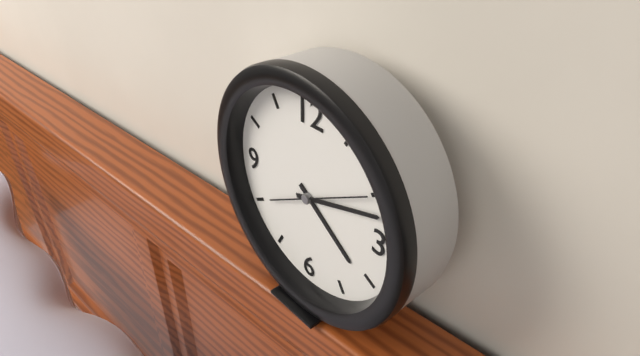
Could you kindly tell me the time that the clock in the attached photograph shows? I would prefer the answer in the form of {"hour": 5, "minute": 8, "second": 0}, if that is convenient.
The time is {"hour": 4, "minute": 12, "second": 10}
